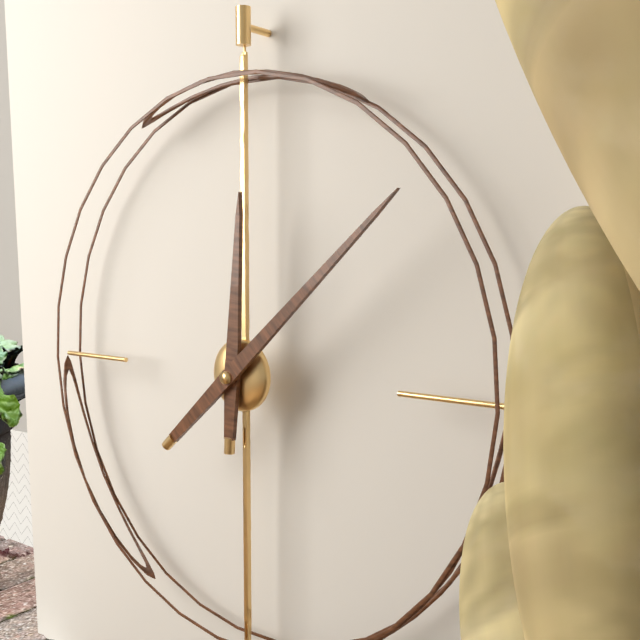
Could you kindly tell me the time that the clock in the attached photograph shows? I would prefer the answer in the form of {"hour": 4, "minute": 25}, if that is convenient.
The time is {"hour": 12, "minute": 8}
